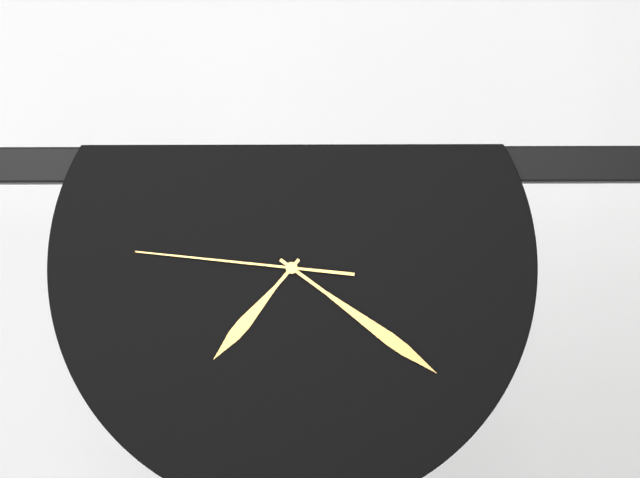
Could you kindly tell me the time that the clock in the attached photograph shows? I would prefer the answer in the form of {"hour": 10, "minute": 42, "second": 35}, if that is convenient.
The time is {"hour": 7, "minute": 21, "second": 46}
